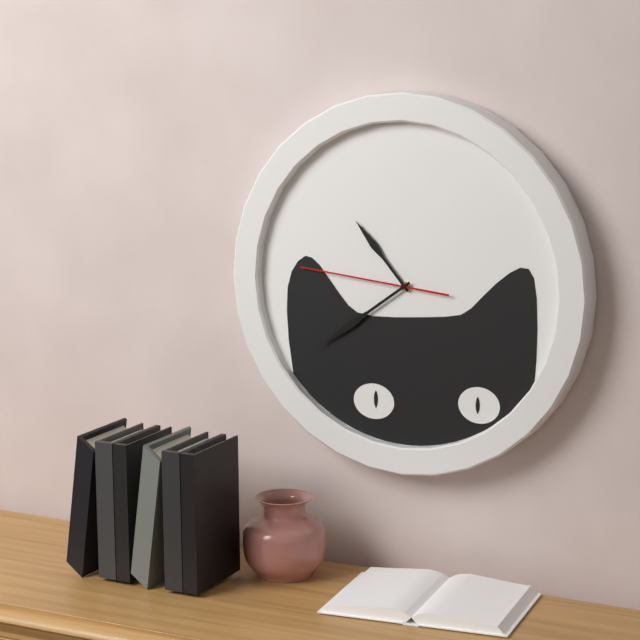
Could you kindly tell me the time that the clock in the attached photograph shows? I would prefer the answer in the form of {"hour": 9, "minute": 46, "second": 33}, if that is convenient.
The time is {"hour": 10, "minute": 39, "second": 46}
